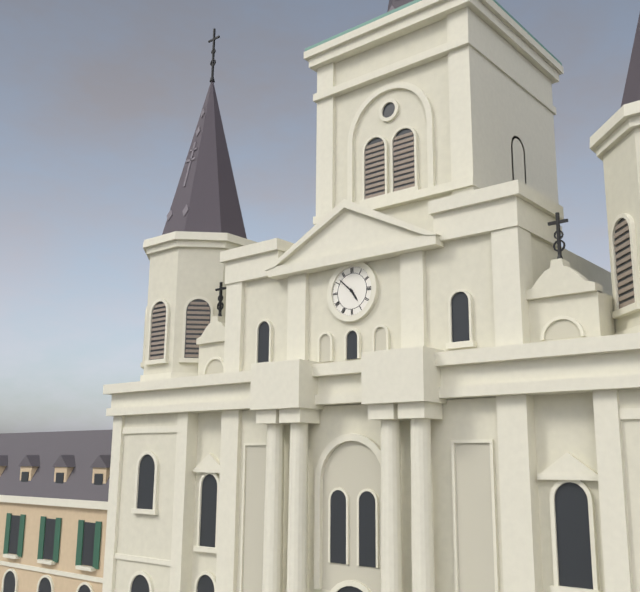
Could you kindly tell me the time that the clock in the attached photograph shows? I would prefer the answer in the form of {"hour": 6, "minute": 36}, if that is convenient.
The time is {"hour": 4, "minute": 52}
